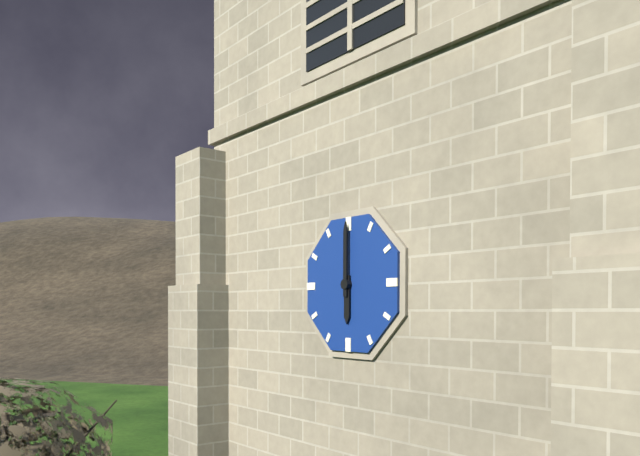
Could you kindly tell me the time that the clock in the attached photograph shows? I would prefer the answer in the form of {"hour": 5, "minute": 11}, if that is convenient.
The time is {"hour": 6, "minute": 0}
